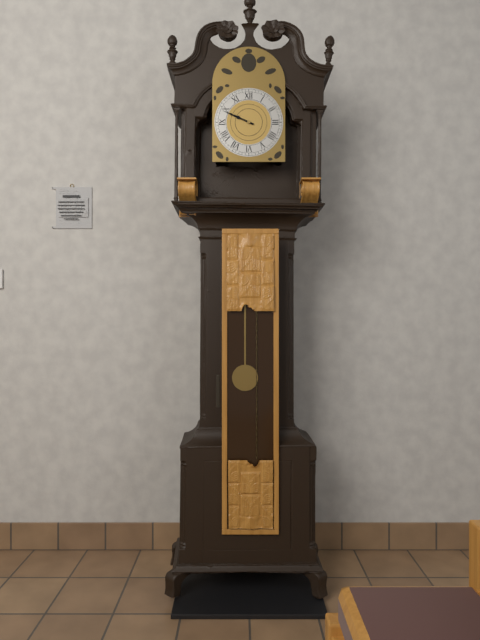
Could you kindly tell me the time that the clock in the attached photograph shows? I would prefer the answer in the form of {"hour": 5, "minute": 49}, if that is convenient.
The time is {"hour": 9, "minute": 49}
